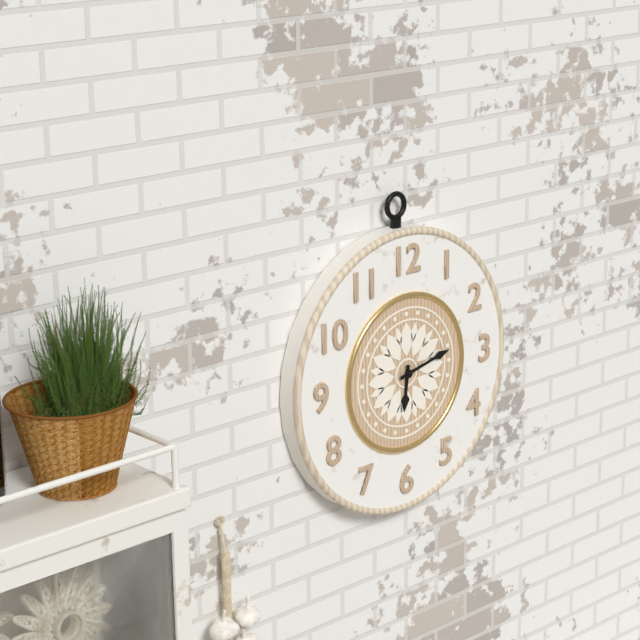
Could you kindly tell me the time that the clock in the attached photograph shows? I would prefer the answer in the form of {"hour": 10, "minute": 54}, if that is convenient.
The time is {"hour": 6, "minute": 13}
